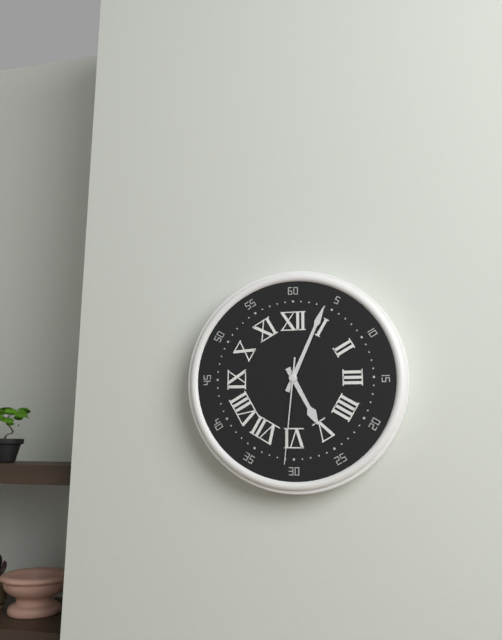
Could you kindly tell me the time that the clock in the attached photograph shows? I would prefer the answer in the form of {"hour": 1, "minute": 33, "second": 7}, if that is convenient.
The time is {"hour": 5, "minute": 4, "second": 31}
